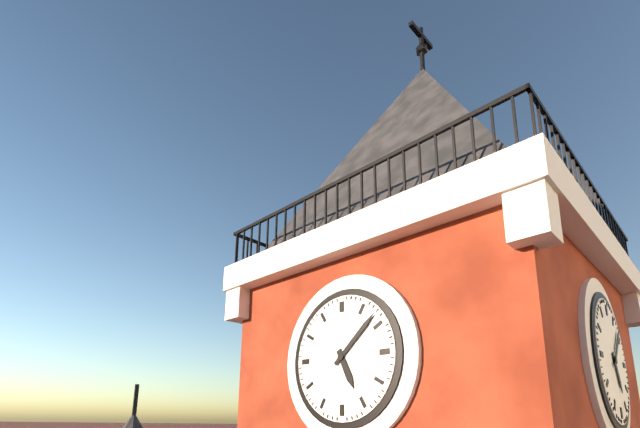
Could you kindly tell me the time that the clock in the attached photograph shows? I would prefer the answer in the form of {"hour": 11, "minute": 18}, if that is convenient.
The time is {"hour": 5, "minute": 8}
